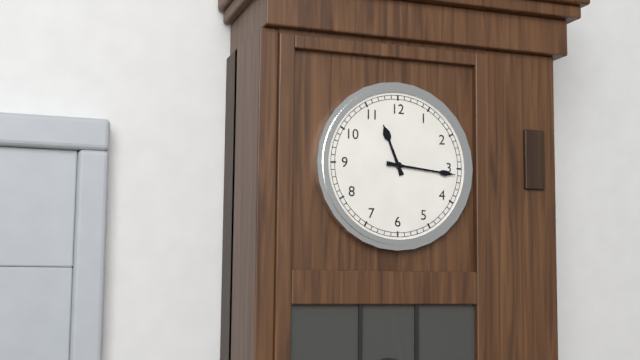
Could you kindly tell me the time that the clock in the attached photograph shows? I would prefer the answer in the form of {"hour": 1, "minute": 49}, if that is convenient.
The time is {"hour": 11, "minute": 16}
